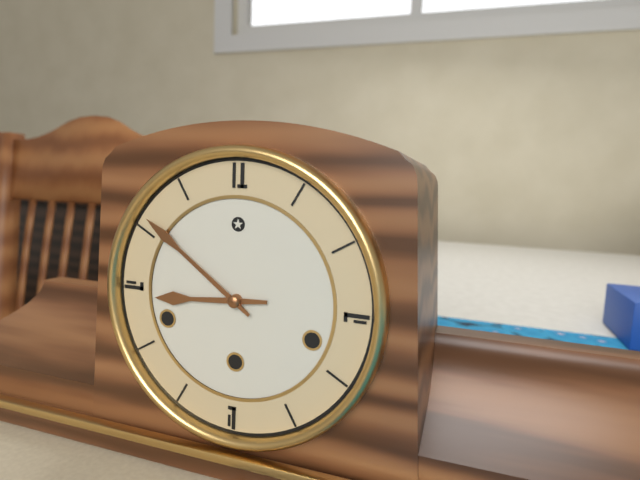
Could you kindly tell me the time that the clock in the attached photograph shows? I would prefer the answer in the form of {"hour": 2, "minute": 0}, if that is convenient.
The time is {"hour": 8, "minute": 51}
